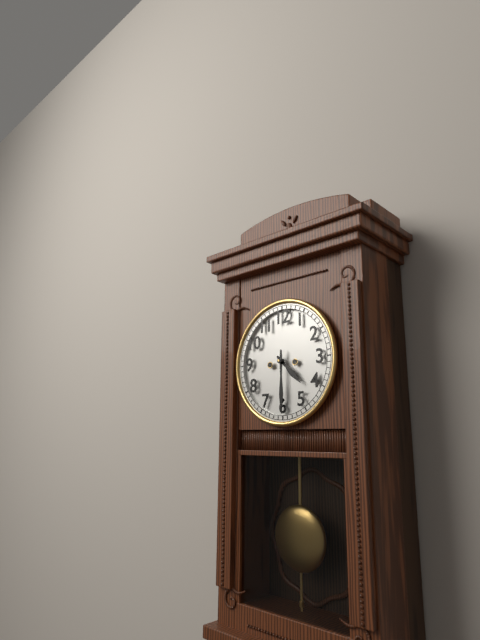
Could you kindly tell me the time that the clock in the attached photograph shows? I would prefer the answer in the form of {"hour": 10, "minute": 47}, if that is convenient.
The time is {"hour": 4, "minute": 30}
